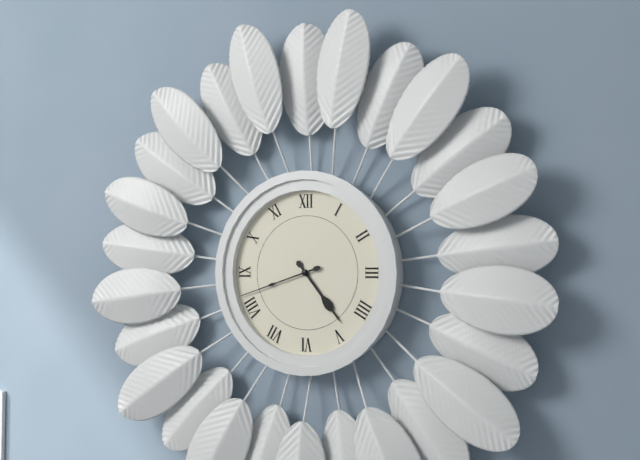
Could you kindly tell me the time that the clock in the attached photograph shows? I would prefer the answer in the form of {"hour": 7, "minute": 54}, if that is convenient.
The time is {"hour": 4, "minute": 42}
